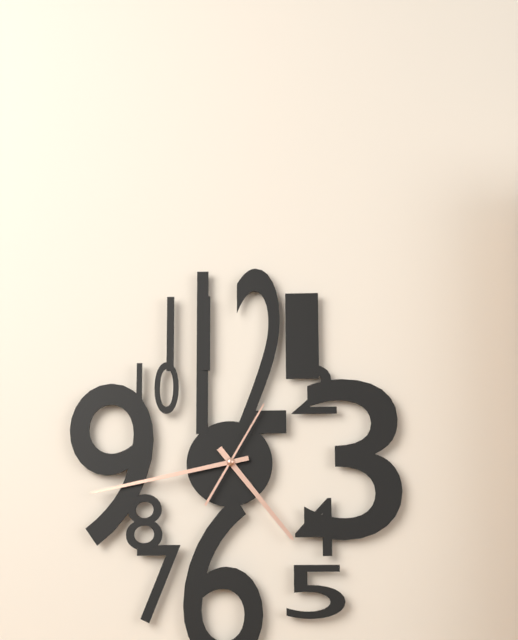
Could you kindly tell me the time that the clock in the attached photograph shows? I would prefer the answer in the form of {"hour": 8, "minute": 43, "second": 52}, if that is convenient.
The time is {"hour": 4, "minute": 43, "second": 5}
